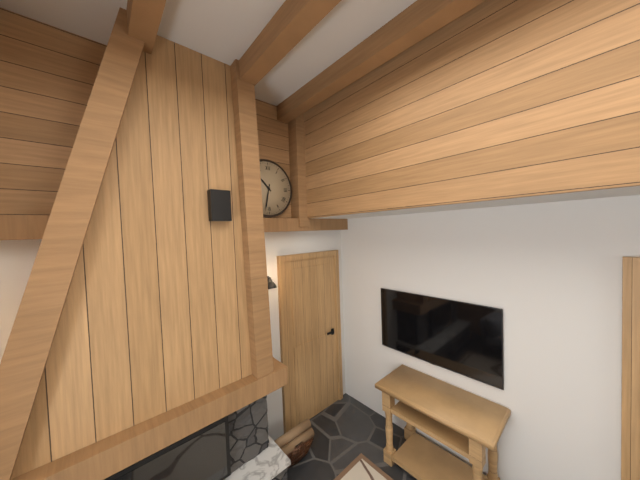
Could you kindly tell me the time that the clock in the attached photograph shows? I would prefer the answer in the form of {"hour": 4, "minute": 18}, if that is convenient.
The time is {"hour": 10, "minute": 32}
